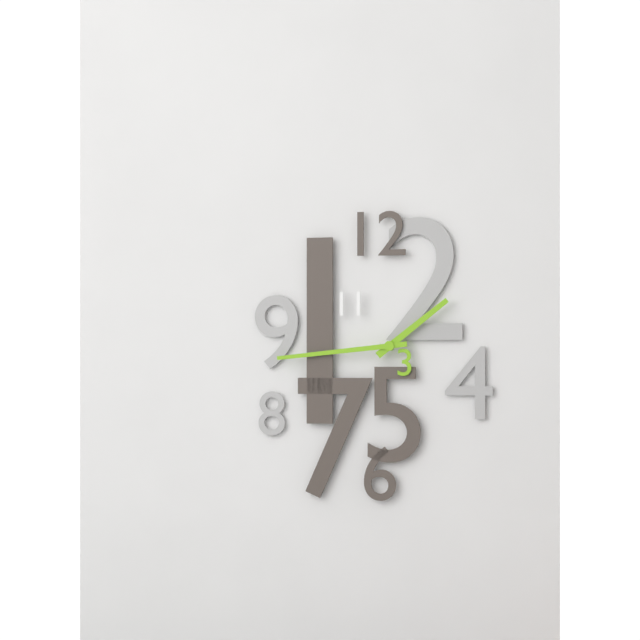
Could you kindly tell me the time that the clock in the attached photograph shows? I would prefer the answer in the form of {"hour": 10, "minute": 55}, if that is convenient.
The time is {"hour": 1, "minute": 44}
